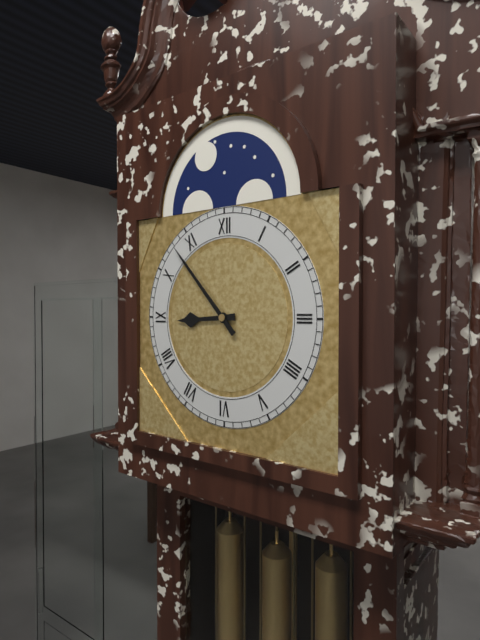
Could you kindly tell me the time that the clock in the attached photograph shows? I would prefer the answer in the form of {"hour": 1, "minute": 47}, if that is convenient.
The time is {"hour": 8, "minute": 53}
